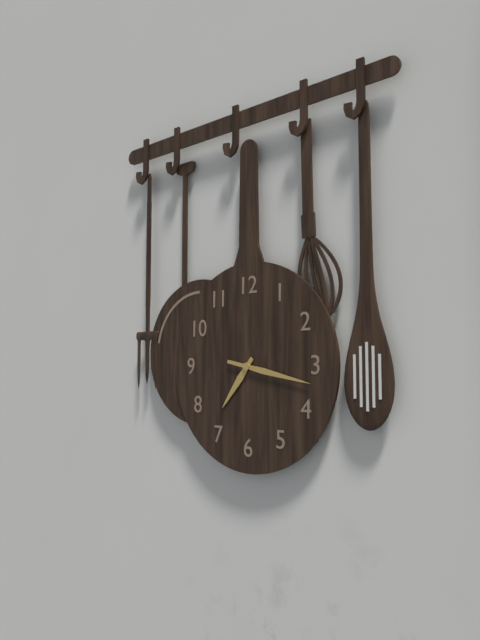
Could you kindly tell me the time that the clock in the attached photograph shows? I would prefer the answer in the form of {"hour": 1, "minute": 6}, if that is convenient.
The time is {"hour": 7, "minute": 17}
